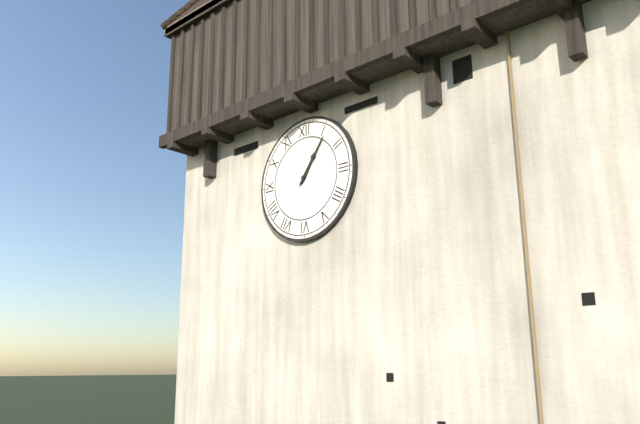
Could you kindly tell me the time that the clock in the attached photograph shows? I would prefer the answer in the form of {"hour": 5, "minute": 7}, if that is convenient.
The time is {"hour": 1, "minute": 6}
